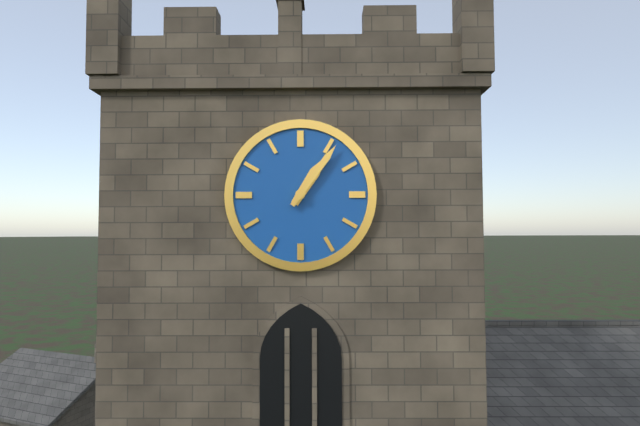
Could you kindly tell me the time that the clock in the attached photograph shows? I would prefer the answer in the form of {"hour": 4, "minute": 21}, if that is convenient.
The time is {"hour": 1, "minute": 6}
